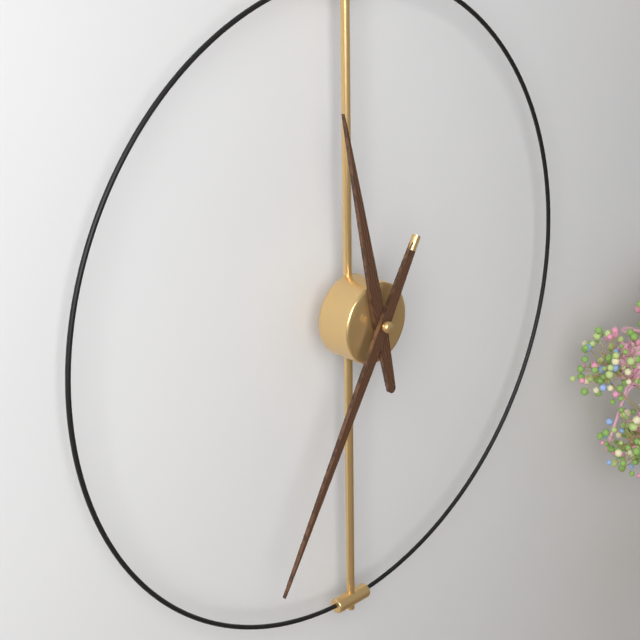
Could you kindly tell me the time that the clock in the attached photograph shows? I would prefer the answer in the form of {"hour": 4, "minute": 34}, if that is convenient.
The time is {"hour": 11, "minute": 35}
